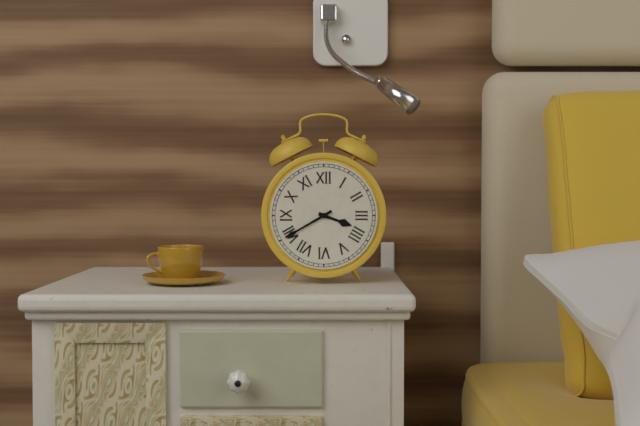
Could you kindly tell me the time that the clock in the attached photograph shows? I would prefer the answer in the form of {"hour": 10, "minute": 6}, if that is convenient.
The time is {"hour": 3, "minute": 40}
